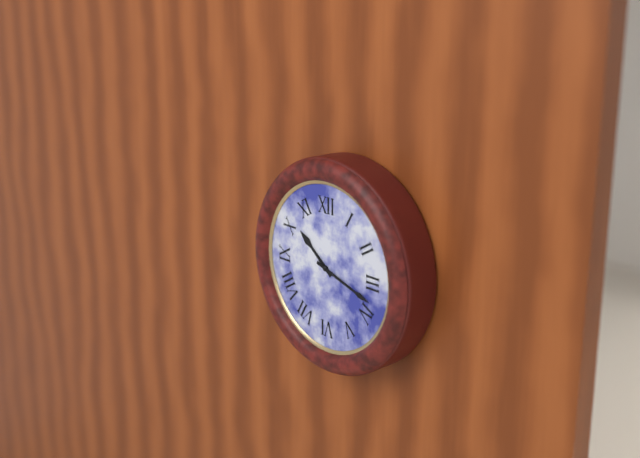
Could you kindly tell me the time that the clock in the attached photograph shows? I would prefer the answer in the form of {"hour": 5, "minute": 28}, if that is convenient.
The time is {"hour": 10, "minute": 18}
